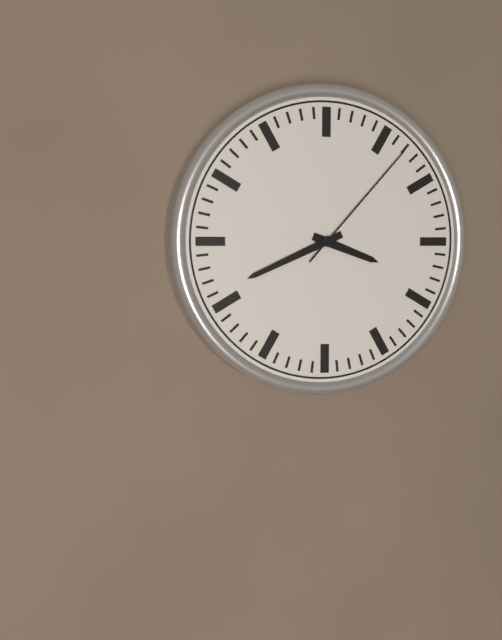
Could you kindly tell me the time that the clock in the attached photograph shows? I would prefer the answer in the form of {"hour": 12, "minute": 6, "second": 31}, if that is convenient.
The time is {"hour": 3, "minute": 41, "second": 7}
